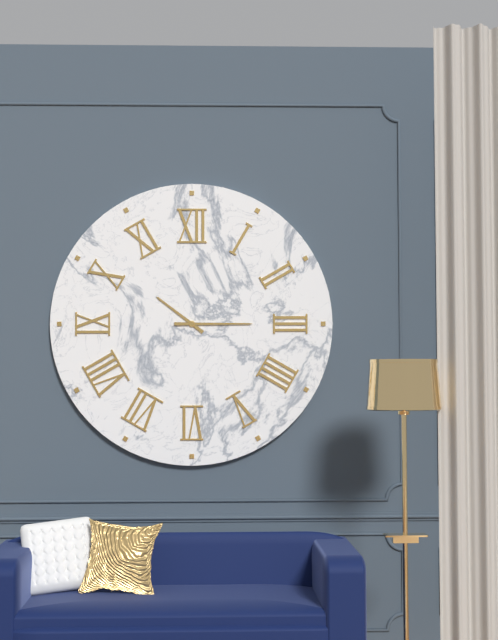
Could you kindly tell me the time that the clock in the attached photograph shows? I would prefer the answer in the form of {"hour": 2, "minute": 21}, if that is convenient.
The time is {"hour": 10, "minute": 15}
